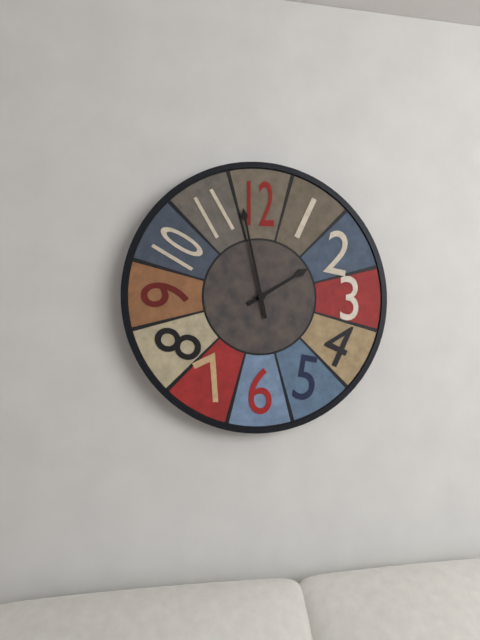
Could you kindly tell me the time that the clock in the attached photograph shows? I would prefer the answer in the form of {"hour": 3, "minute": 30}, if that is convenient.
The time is {"hour": 1, "minute": 58}
